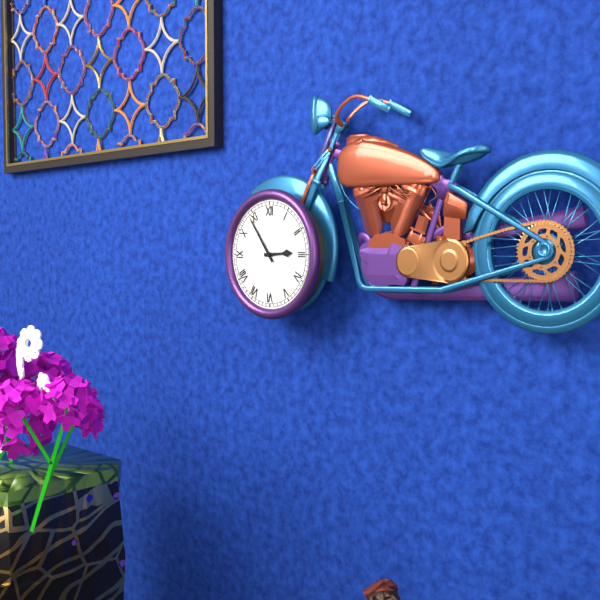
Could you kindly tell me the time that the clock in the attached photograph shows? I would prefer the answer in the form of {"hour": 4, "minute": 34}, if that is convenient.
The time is {"hour": 2, "minute": 54}
